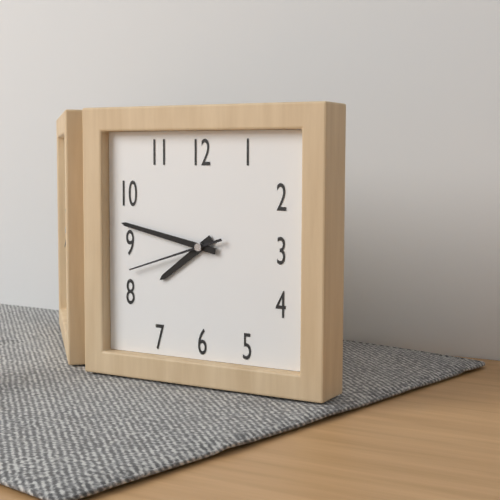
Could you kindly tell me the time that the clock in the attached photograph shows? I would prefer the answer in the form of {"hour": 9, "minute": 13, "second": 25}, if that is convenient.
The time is {"hour": 7, "minute": 47, "second": 42}
